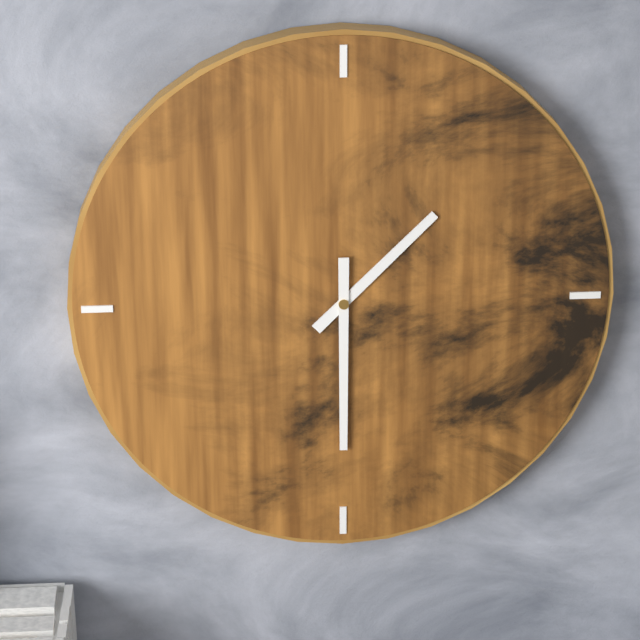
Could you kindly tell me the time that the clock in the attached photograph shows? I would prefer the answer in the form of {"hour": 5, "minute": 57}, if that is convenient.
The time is {"hour": 1, "minute": 30}
